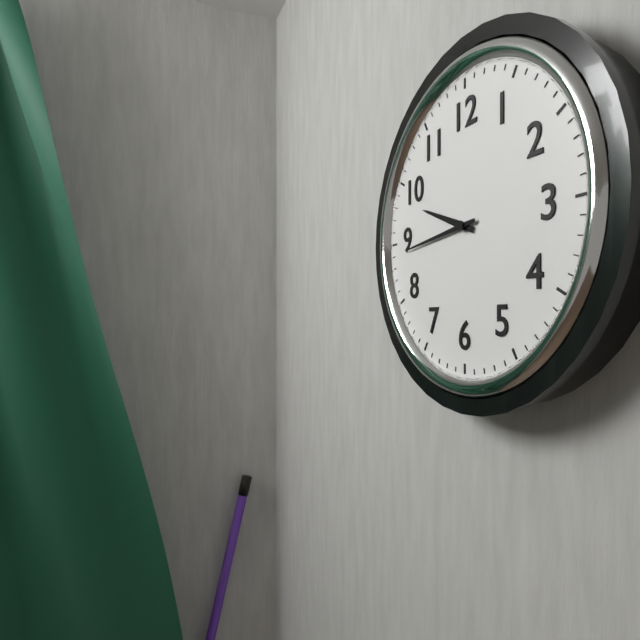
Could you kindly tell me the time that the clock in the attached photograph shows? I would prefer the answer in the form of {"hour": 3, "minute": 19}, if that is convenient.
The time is {"hour": 9, "minute": 44}
